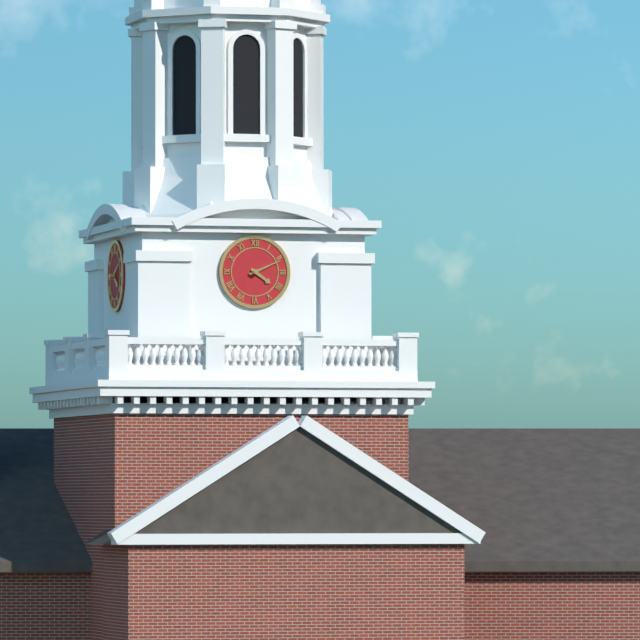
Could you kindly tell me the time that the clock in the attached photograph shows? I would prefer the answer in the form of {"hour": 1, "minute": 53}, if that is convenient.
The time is {"hour": 4, "minute": 11}
